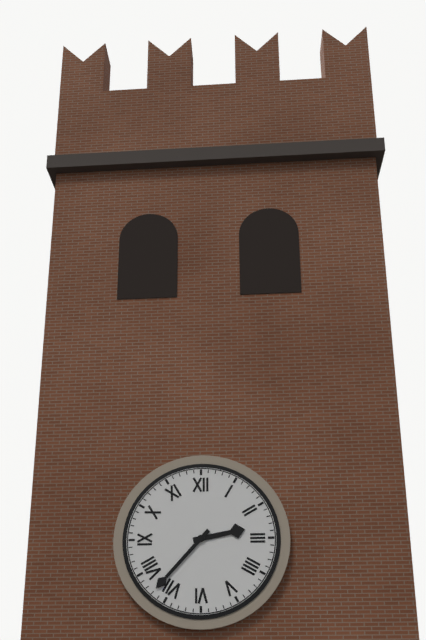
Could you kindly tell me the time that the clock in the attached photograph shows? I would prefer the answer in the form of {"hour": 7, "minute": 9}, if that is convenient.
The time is {"hour": 2, "minute": 37}
